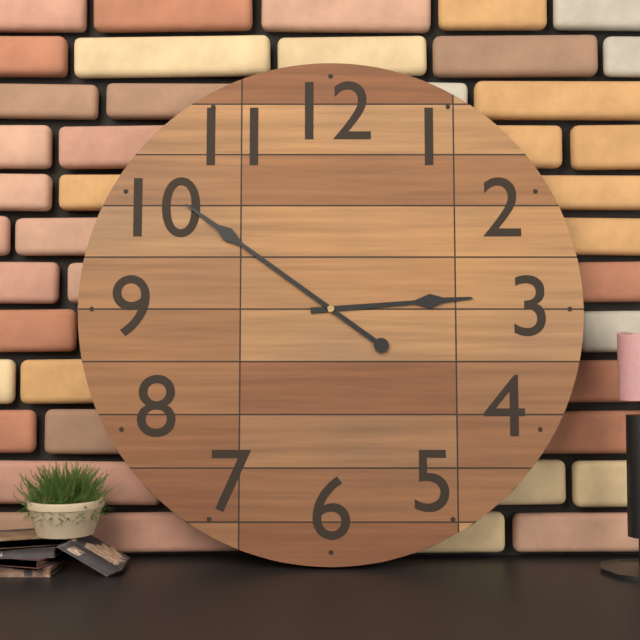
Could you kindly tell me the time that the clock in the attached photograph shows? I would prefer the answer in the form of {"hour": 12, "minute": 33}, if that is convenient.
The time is {"hour": 2, "minute": 51}
